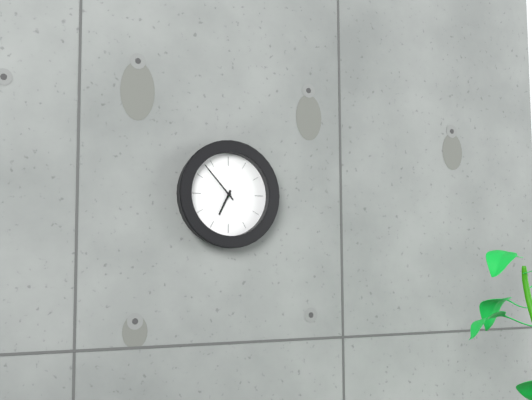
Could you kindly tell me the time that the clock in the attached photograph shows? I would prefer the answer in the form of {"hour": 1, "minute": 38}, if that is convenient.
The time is {"hour": 6, "minute": 53}
